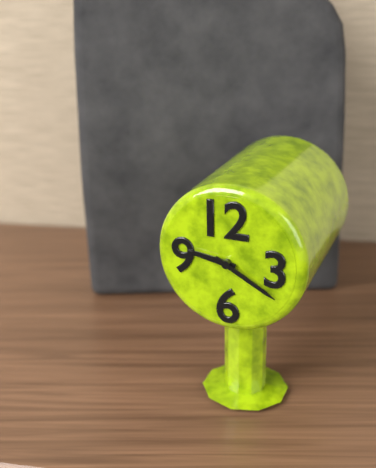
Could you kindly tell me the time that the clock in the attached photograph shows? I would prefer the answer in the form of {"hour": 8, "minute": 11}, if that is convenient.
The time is {"hour": 9, "minute": 20}
